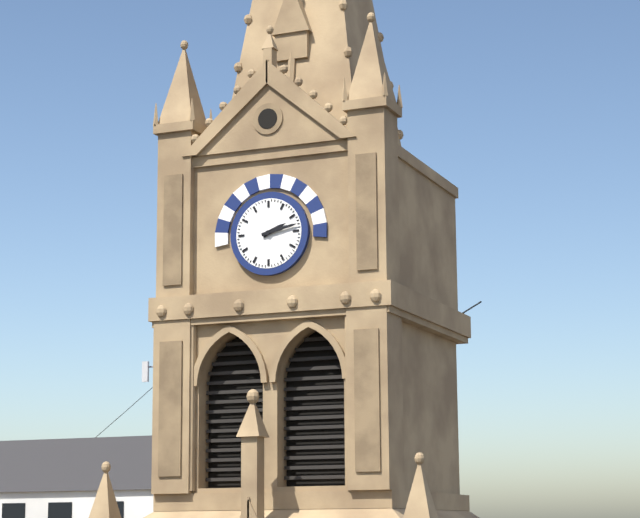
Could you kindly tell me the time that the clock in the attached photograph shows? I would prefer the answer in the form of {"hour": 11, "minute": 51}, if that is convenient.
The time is {"hour": 2, "minute": 13}
